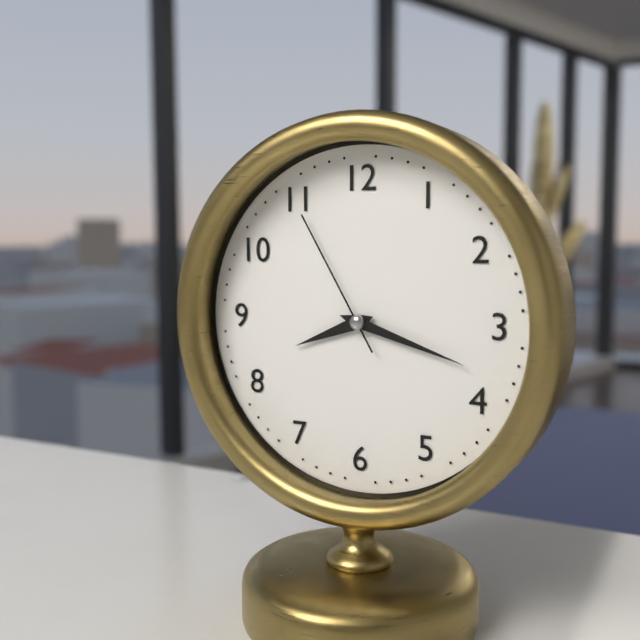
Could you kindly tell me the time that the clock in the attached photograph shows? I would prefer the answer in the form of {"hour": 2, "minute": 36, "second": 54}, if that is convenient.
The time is {"hour": 8, "minute": 18, "second": 55}
